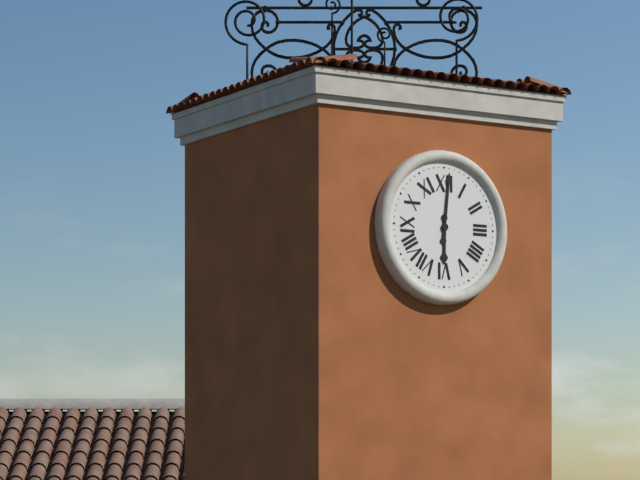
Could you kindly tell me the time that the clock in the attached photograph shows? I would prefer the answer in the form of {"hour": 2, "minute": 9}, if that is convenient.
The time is {"hour": 6, "minute": 1}
